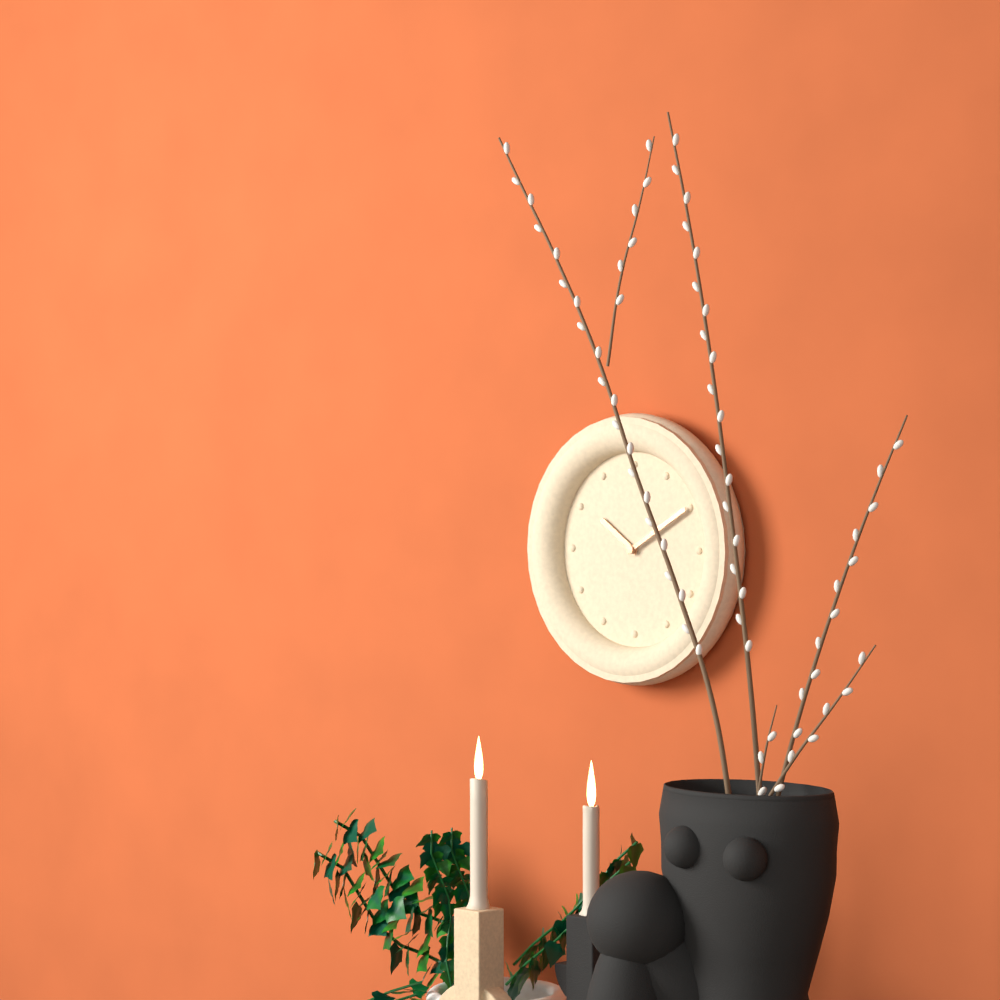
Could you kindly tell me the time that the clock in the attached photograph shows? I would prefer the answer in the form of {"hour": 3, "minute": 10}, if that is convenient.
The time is {"hour": 10, "minute": 10}
